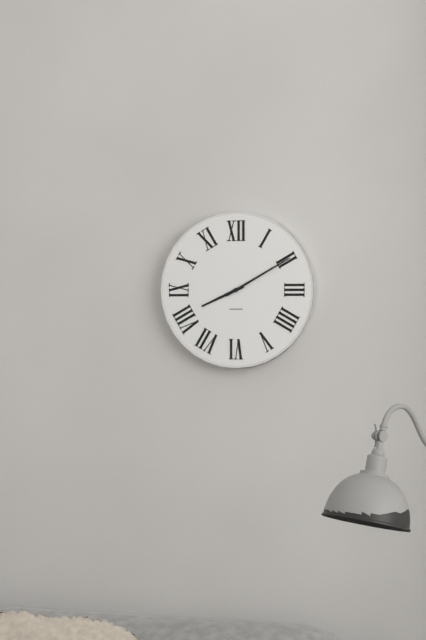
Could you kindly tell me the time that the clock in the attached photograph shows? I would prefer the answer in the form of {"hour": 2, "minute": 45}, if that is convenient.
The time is {"hour": 8, "minute": 10}
